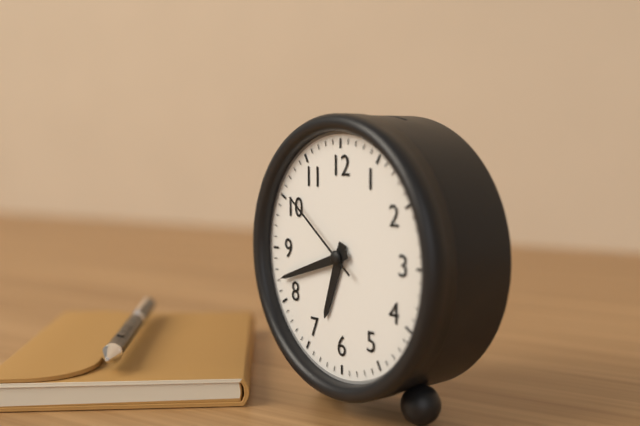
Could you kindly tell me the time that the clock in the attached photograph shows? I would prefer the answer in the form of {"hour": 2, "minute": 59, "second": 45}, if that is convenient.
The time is {"hour": 6, "minute": 42, "second": 51}
